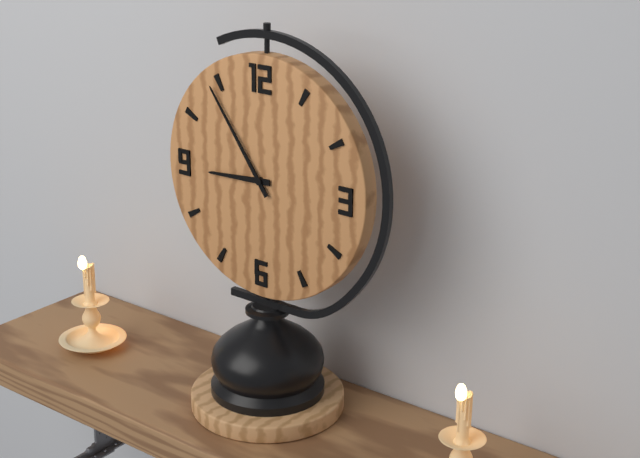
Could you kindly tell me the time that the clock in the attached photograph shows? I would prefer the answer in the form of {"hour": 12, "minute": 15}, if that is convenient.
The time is {"hour": 8, "minute": 54}
